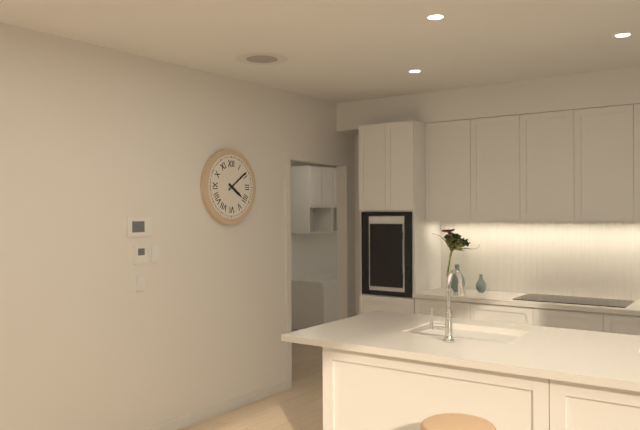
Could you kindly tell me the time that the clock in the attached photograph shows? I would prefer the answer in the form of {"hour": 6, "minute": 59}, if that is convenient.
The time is {"hour": 4, "minute": 9}
